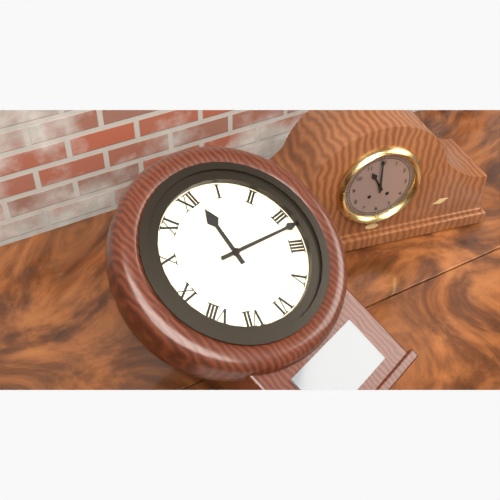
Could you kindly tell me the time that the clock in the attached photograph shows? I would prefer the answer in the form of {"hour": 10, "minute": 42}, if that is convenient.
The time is {"hour": 12, "minute": 17}
